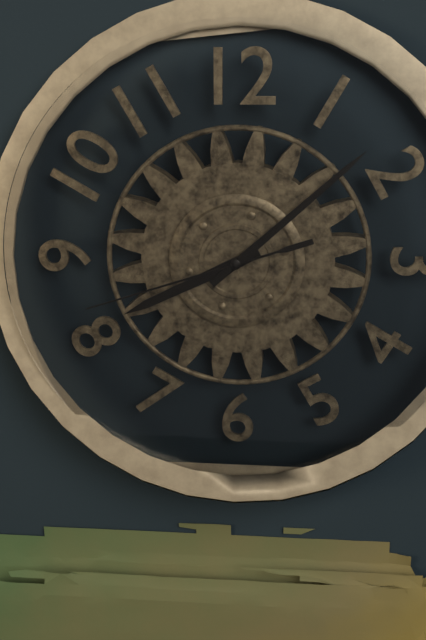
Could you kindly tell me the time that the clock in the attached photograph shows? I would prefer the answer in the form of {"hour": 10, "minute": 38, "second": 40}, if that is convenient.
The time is {"hour": 8, "minute": 8, "second": 42}
